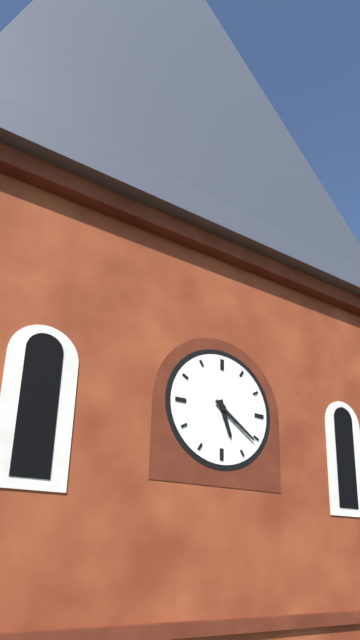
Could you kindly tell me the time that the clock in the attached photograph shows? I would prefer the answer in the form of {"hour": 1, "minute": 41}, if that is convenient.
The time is {"hour": 5, "minute": 21}
